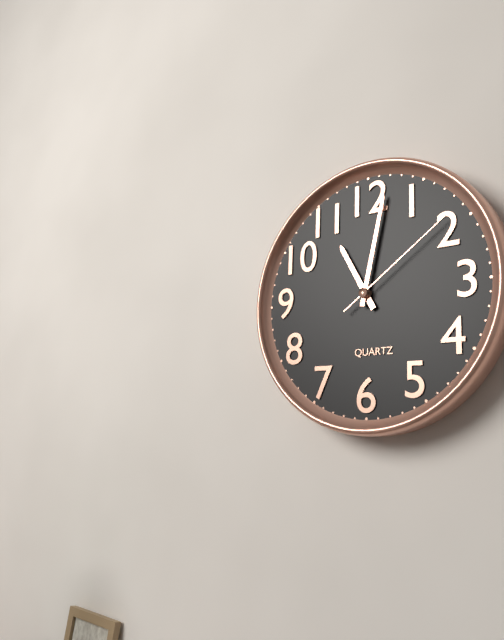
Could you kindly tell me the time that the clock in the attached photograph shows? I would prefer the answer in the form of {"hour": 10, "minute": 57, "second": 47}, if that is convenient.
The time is {"hour": 11, "minute": 2, "second": 9}
